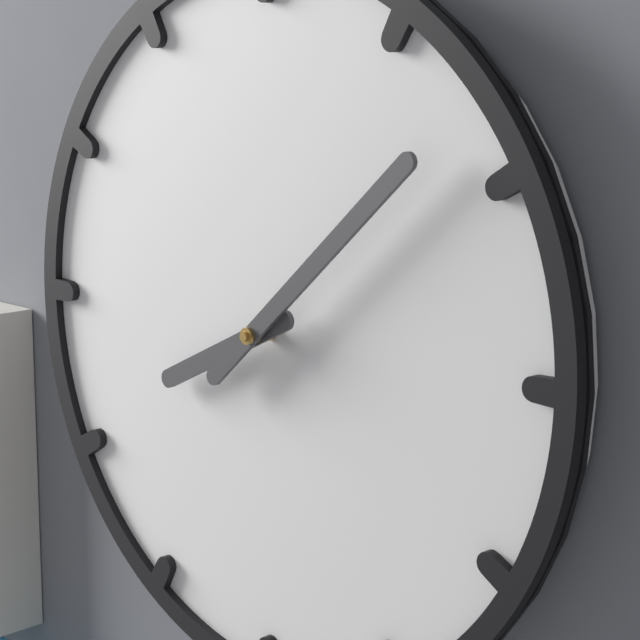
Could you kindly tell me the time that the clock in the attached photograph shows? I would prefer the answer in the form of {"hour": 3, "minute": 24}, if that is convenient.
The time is {"hour": 8, "minute": 8}
